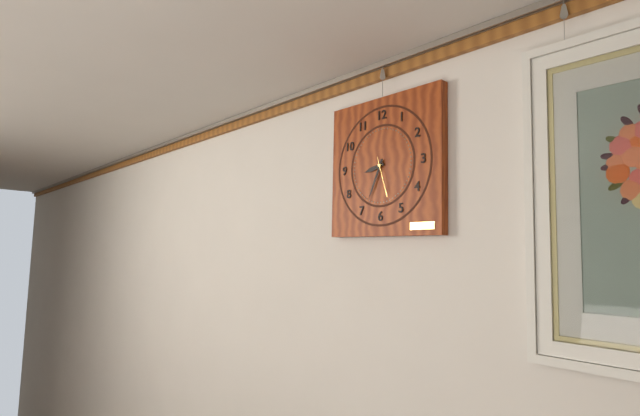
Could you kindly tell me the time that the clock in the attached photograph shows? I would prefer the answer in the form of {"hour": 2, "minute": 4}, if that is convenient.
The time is {"hour": 8, "minute": 34}
